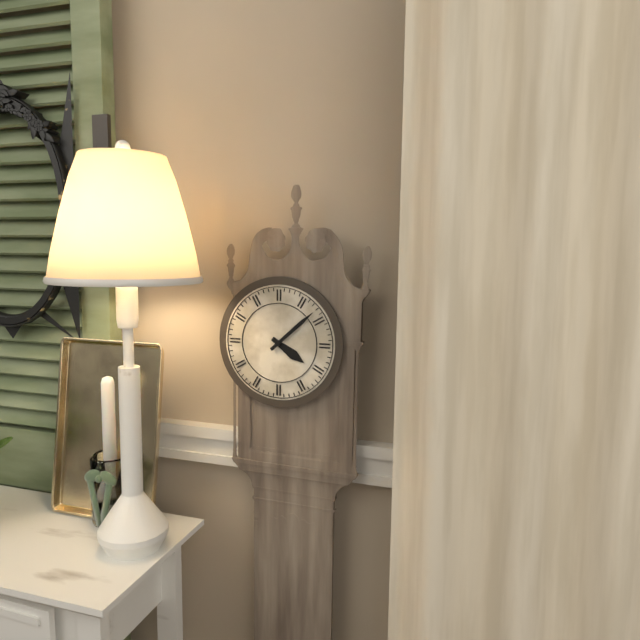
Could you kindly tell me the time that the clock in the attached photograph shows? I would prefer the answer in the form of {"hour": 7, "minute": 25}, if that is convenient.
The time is {"hour": 4, "minute": 8}
